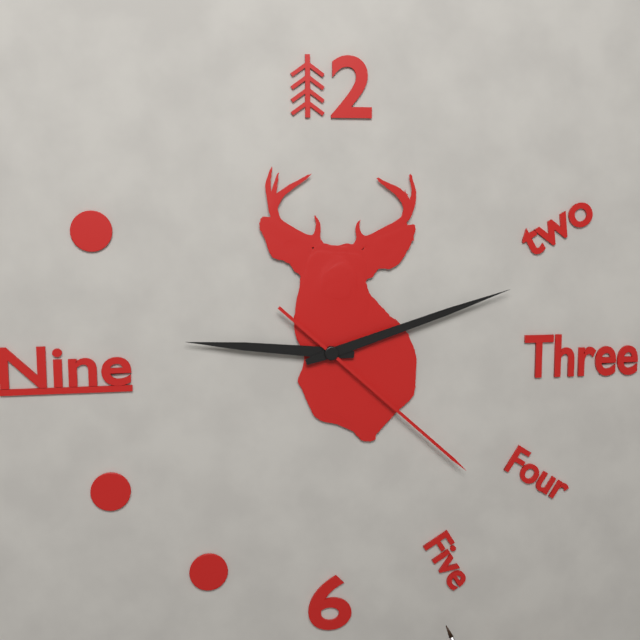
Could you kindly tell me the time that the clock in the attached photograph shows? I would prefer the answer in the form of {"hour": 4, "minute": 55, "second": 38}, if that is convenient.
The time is {"hour": 9, "minute": 12, "second": 22}
